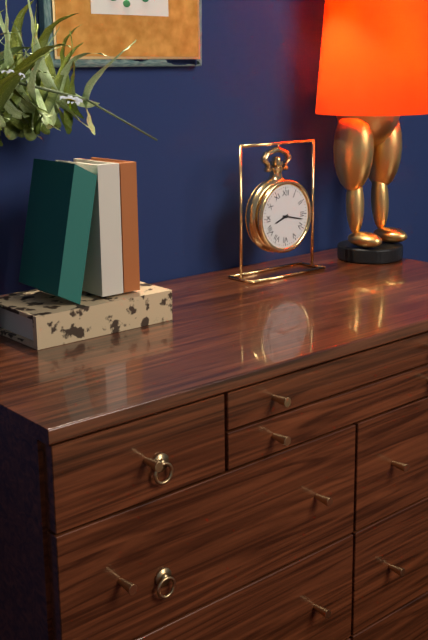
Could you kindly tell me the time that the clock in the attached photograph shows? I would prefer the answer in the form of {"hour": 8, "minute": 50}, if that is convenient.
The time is {"hour": 8, "minute": 17}
